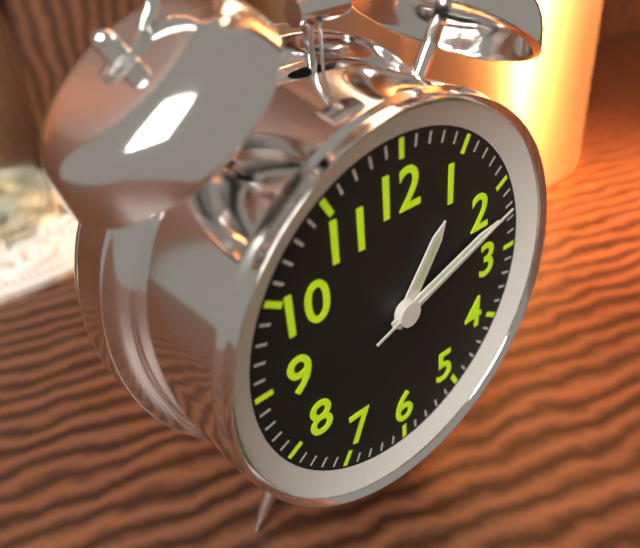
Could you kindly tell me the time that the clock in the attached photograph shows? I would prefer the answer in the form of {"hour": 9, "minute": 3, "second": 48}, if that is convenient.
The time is {"hour": 1, "minute": 12, "second": 12}
